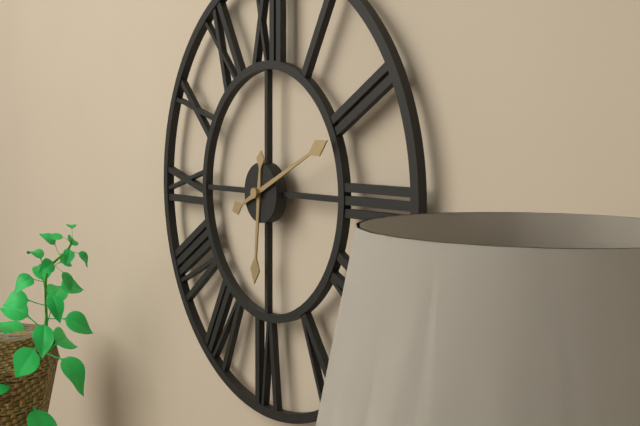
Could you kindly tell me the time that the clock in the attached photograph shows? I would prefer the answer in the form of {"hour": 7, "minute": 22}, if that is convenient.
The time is {"hour": 6, "minute": 11}
